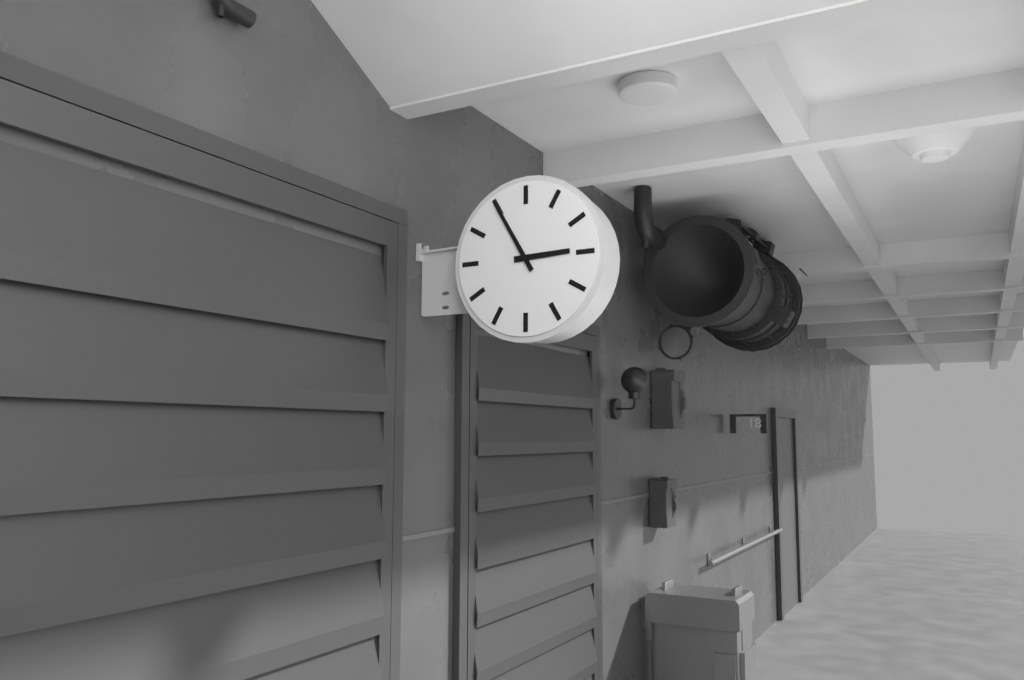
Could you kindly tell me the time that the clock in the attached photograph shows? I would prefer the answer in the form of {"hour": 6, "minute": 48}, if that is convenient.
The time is {"hour": 2, "minute": 55}
